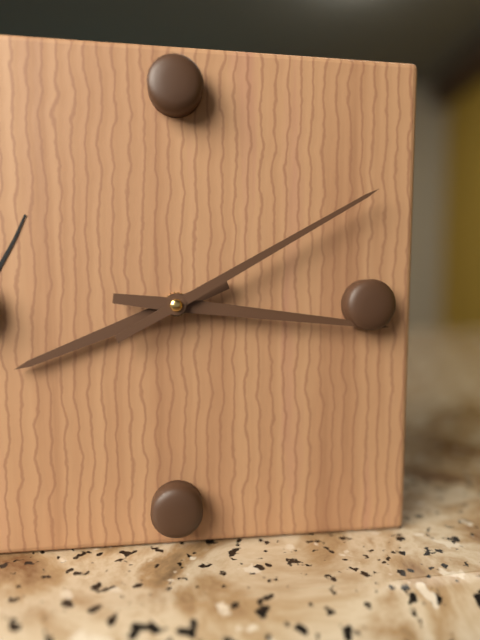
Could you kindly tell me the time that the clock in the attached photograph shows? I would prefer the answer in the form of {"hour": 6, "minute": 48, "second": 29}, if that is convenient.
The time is {"hour": 8, "minute": 16, "second": 10}
